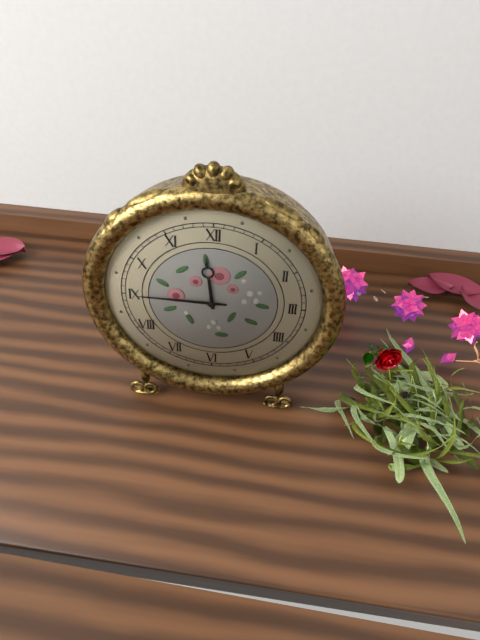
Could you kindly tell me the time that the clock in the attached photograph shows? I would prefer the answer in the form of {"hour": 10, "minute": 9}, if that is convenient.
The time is {"hour": 11, "minute": 45}
